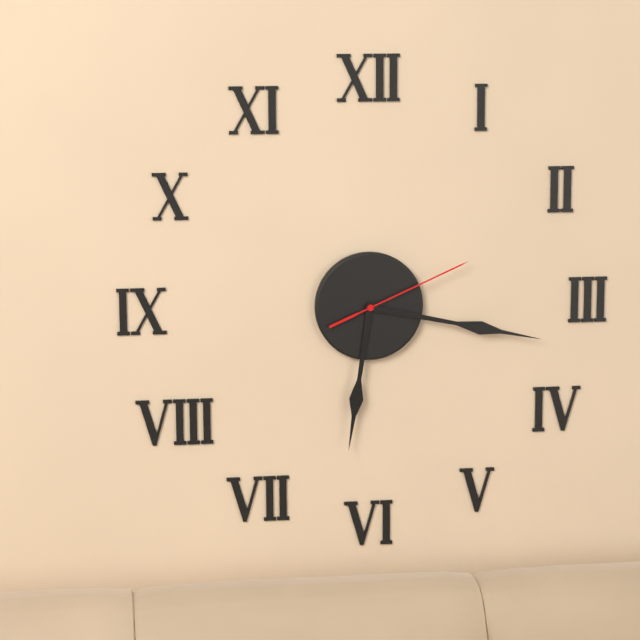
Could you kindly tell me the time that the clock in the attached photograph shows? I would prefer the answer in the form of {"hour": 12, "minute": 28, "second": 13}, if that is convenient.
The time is {"hour": 6, "minute": 17, "second": 11}
